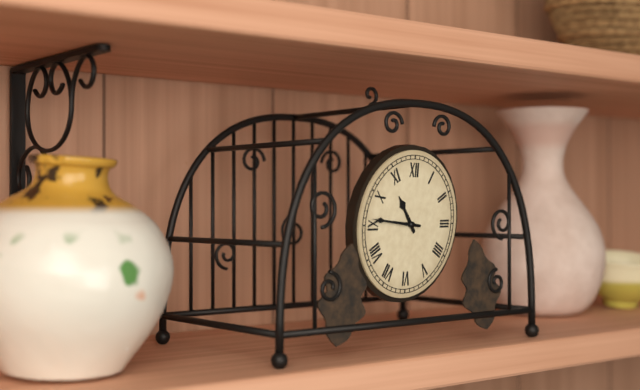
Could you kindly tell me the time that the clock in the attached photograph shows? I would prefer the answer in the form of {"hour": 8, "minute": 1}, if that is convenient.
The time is {"hour": 10, "minute": 46}
